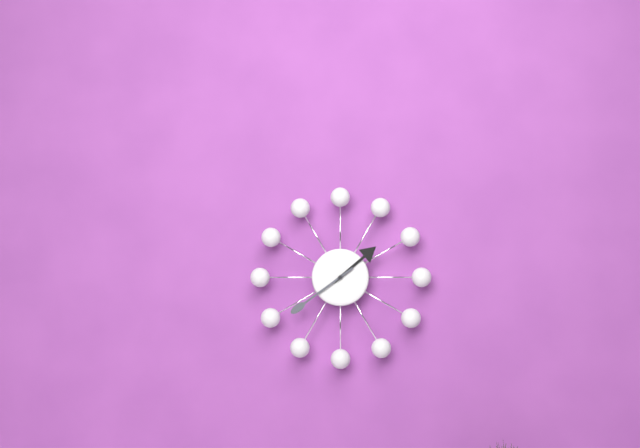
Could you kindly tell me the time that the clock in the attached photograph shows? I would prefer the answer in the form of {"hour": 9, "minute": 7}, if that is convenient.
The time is {"hour": 1, "minute": 39}
